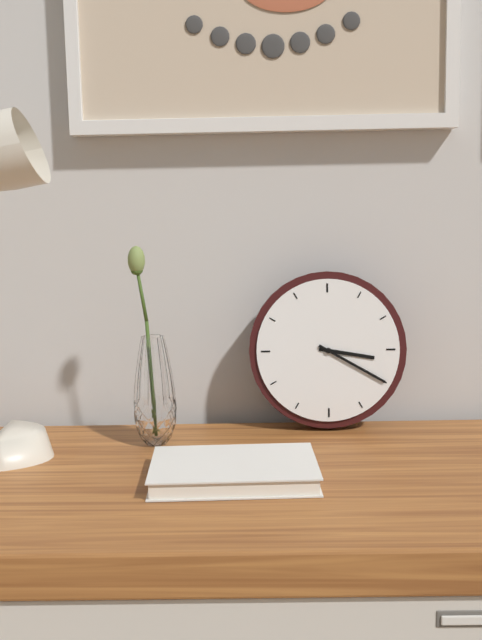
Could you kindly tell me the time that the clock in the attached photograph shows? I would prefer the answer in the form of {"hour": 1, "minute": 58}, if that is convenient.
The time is {"hour": 3, "minute": 20}
